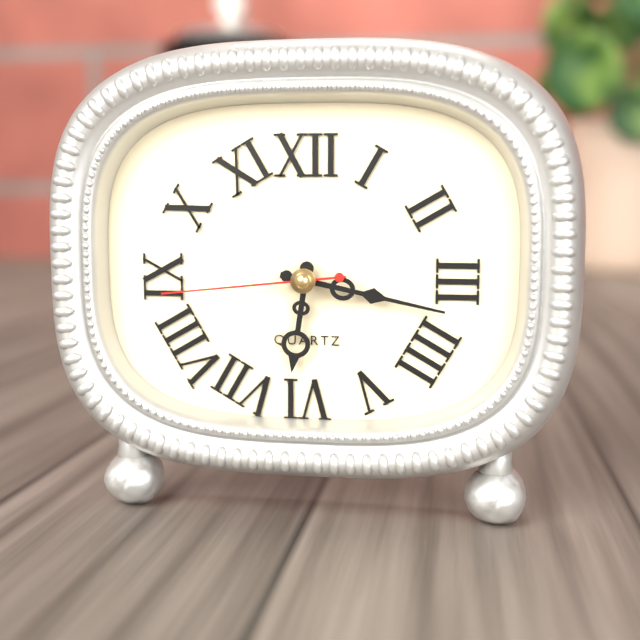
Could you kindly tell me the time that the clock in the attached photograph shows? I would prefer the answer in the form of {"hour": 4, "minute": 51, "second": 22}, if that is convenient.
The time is {"hour": 6, "minute": 17, "second": 44}
